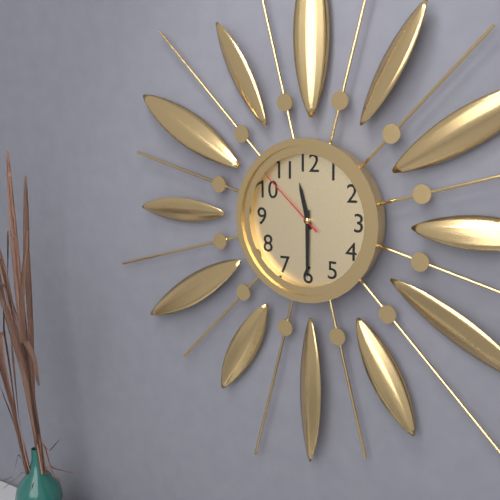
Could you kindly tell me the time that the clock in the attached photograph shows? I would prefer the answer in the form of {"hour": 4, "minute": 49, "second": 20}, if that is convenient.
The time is {"hour": 11, "minute": 30, "second": 52}
